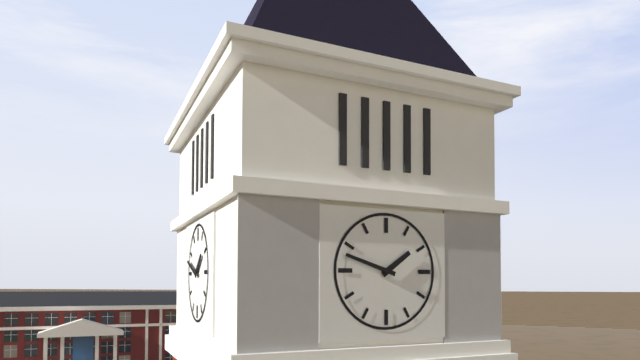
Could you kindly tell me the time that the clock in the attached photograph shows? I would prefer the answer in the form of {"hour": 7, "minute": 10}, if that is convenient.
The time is {"hour": 1, "minute": 48}
